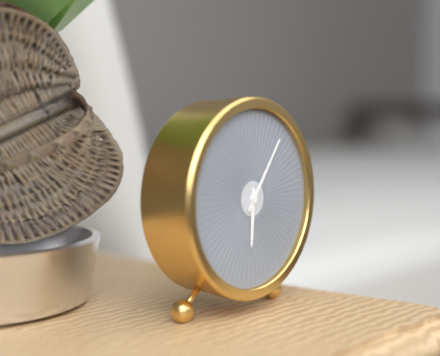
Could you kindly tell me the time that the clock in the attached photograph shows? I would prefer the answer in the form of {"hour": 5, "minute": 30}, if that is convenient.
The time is {"hour": 6, "minute": 6}
